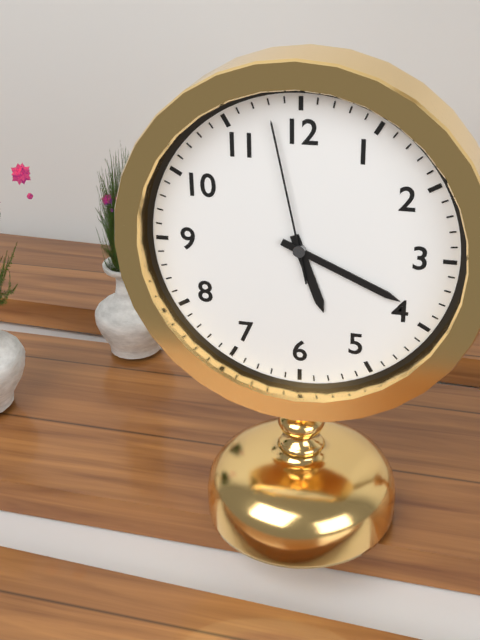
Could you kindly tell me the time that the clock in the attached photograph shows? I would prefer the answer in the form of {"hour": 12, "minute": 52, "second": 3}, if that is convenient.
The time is {"hour": 5, "minute": 19, "second": 58}
